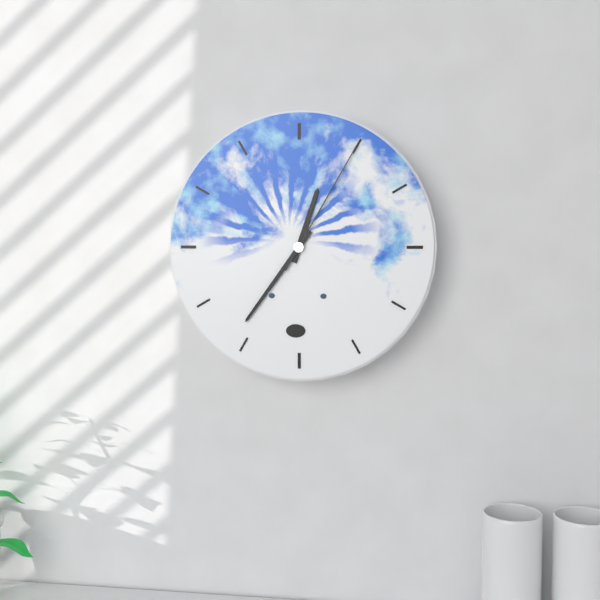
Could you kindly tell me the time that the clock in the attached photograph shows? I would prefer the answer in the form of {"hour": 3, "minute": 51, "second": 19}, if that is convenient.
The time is {"hour": 12, "minute": 36, "second": 5}
